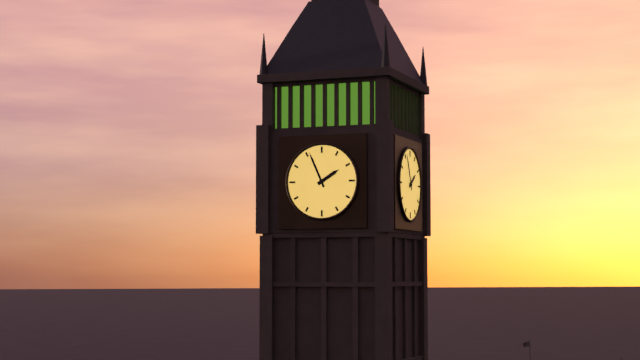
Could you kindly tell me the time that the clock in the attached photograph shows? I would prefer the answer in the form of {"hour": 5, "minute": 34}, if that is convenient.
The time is {"hour": 1, "minute": 56}
